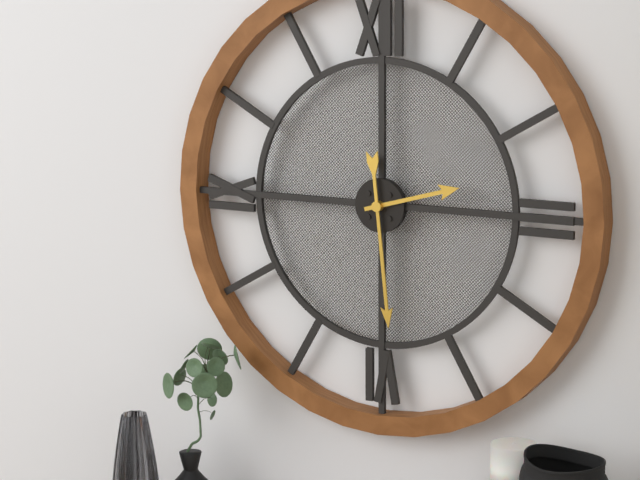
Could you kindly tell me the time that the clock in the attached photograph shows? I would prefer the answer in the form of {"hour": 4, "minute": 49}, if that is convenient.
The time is {"hour": 2, "minute": 29}
